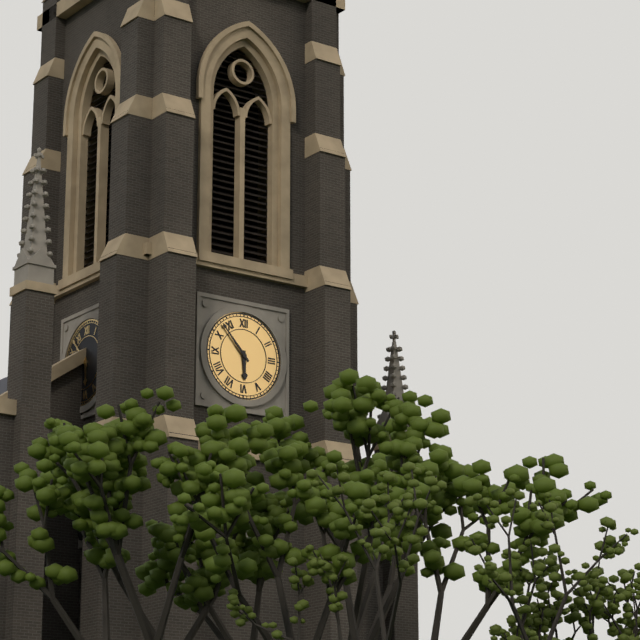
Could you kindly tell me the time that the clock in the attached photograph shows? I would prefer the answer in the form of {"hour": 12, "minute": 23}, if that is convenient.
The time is {"hour": 5, "minute": 53}
